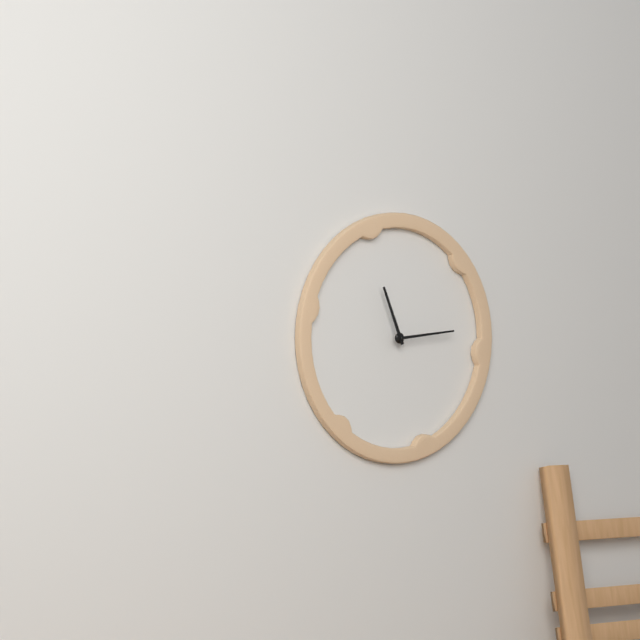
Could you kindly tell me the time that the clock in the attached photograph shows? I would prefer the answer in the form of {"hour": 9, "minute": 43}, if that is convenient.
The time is {"hour": 11, "minute": 14}
